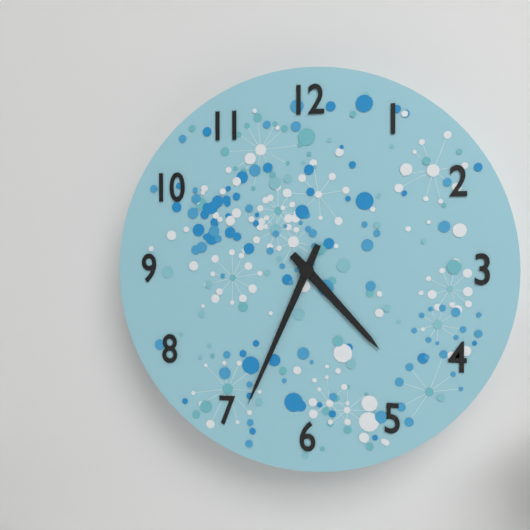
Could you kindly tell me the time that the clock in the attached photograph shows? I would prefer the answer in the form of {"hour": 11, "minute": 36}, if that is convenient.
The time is {"hour": 4, "minute": 34}
